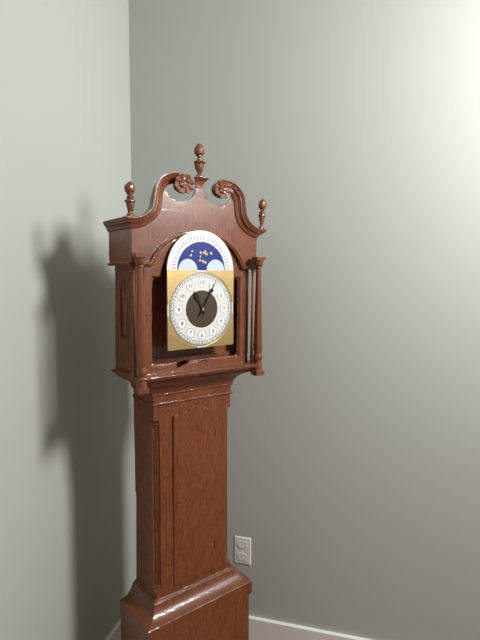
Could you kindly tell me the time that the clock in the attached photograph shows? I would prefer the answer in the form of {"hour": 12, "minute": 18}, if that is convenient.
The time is {"hour": 11, "minute": 5}
